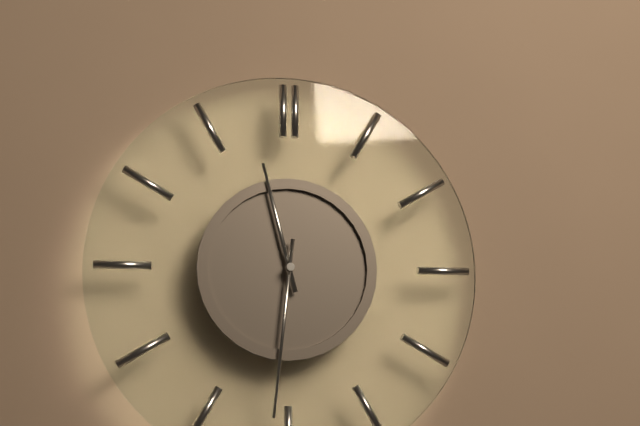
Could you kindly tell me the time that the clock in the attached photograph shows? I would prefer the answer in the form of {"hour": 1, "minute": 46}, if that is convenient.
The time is {"hour": 11, "minute": 31}
